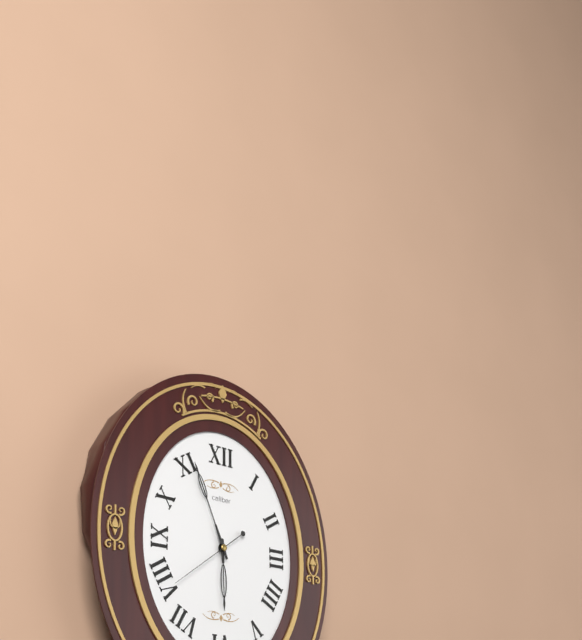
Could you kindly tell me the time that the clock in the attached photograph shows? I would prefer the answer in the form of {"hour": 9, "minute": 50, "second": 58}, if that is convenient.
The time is {"hour": 5, "minute": 56, "second": 39}
